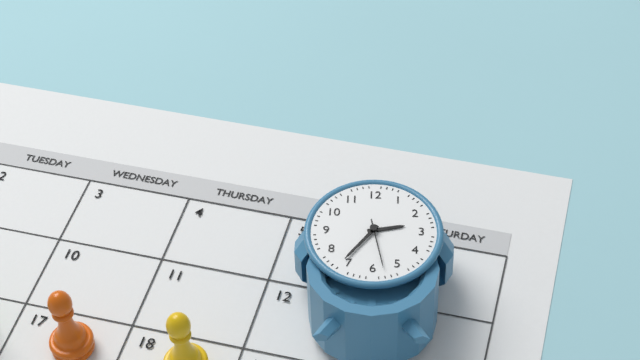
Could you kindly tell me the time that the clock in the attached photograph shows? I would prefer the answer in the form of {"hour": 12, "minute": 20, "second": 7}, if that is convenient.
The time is {"hour": 2, "minute": 36, "second": 28}
